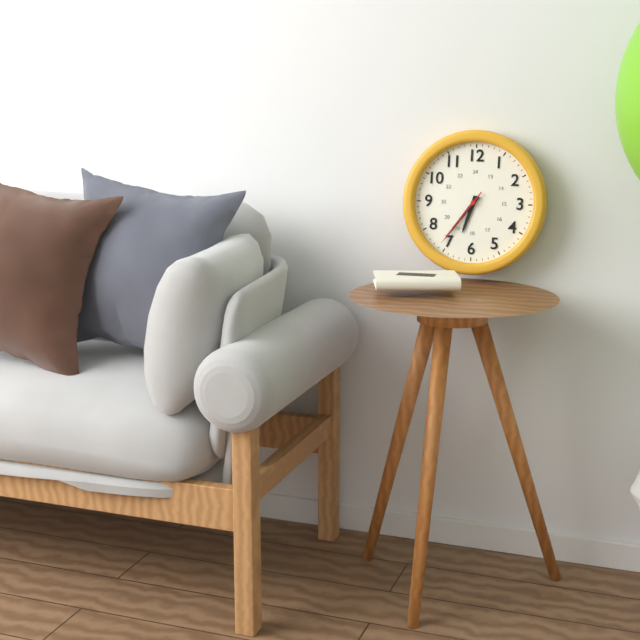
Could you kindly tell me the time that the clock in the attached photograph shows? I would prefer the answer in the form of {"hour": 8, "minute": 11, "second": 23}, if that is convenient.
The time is {"hour": 6, "minute": 36, "second": 36}
